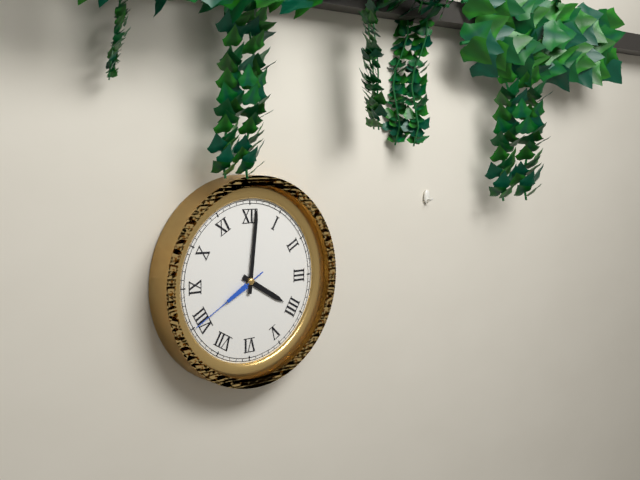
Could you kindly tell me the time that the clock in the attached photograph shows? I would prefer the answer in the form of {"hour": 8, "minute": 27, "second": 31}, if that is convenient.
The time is {"hour": 4, "minute": 1, "second": 40}
